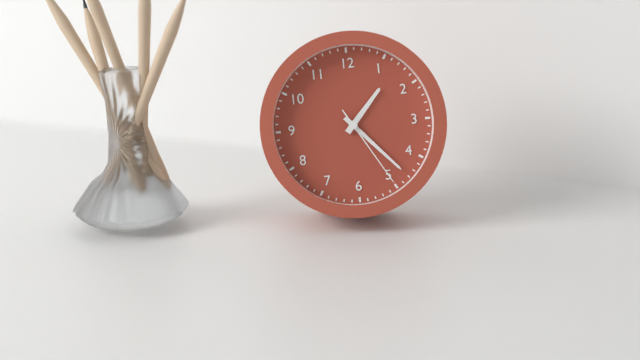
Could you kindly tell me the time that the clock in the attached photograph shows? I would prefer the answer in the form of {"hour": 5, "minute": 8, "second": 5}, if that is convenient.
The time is {"hour": 1, "minute": 23, "second": 25}
